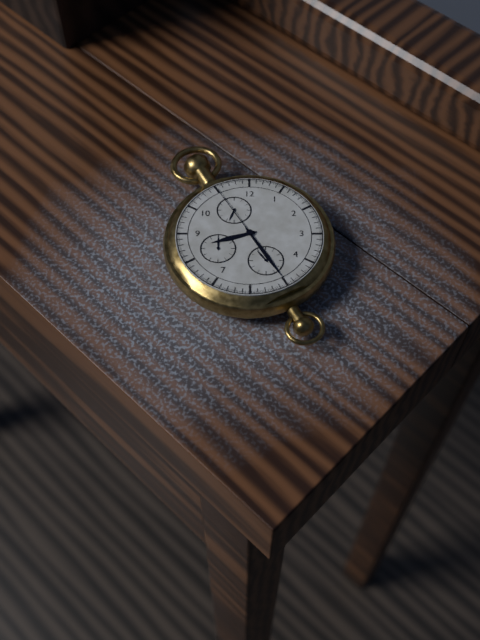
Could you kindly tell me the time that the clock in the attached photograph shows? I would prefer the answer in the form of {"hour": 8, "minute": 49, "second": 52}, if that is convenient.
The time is {"hour": 8, "minute": 25, "second": 55}
